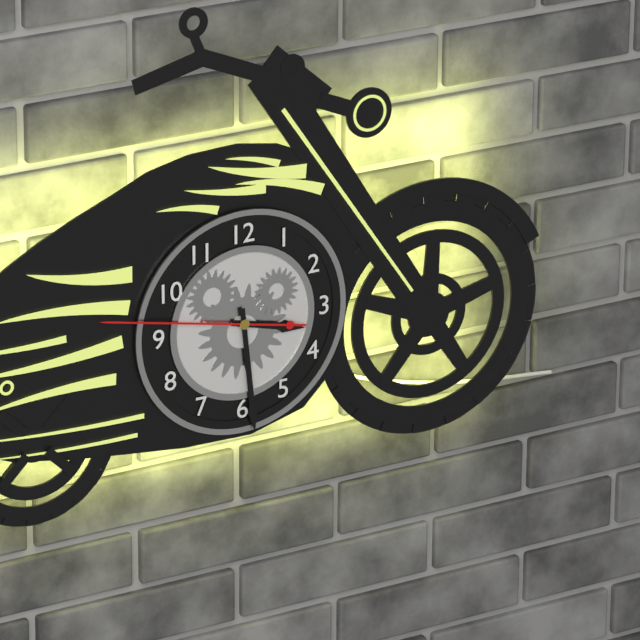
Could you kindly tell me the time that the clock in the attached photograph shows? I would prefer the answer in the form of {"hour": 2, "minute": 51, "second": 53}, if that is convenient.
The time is {"hour": 3, "minute": 29, "second": 47}
